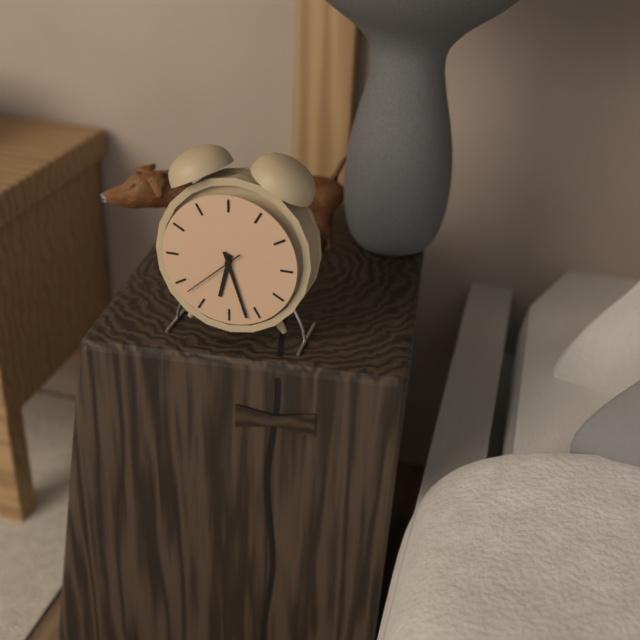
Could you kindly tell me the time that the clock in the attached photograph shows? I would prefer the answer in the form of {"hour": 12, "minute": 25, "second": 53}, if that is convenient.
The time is {"hour": 6, "minute": 27, "second": 38}
